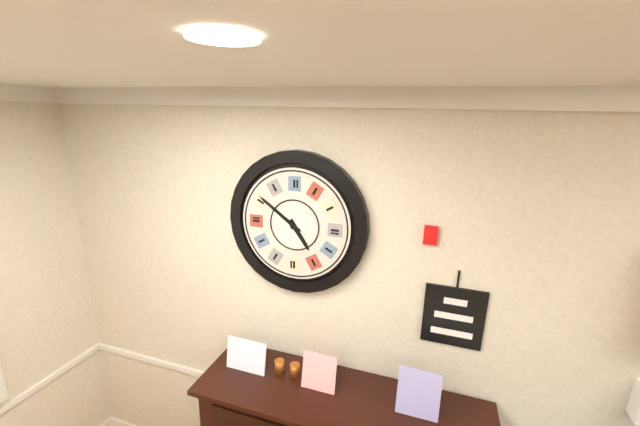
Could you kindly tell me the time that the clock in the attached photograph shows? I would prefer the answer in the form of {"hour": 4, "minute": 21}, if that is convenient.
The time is {"hour": 4, "minute": 51}
